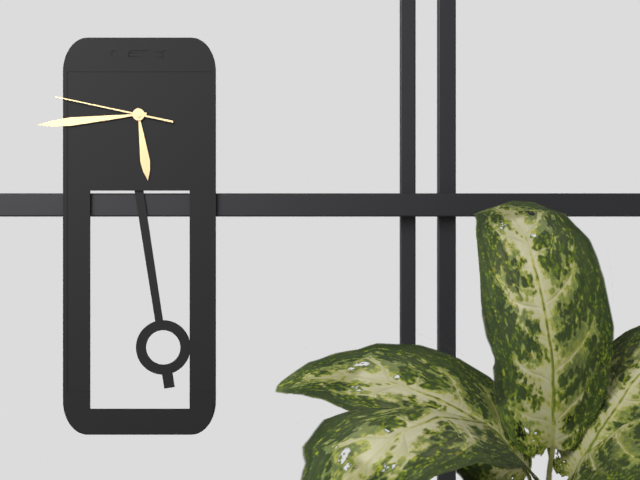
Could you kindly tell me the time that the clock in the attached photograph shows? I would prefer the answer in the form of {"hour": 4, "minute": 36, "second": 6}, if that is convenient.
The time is {"hour": 5, "minute": 44, "second": 47}
